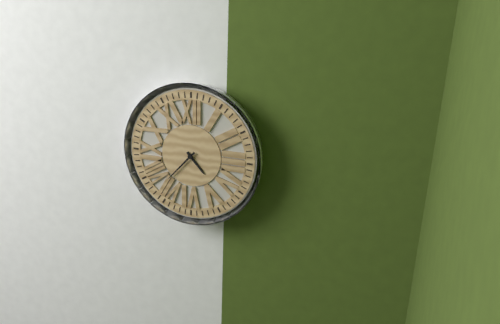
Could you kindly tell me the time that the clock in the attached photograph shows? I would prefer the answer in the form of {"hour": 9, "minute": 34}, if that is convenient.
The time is {"hour": 4, "minute": 37}
